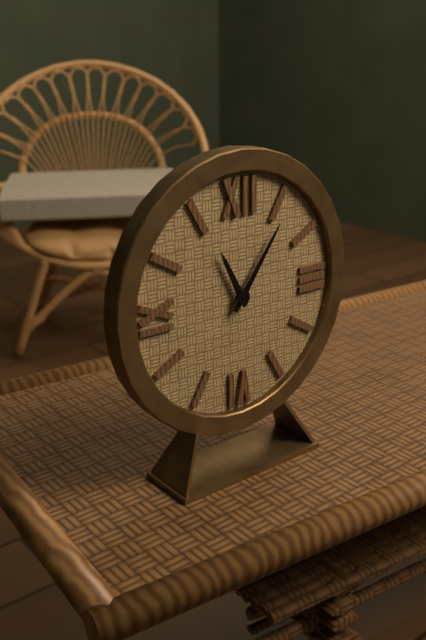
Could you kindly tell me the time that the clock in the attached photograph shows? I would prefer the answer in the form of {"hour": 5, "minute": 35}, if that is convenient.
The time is {"hour": 11, "minute": 6}
